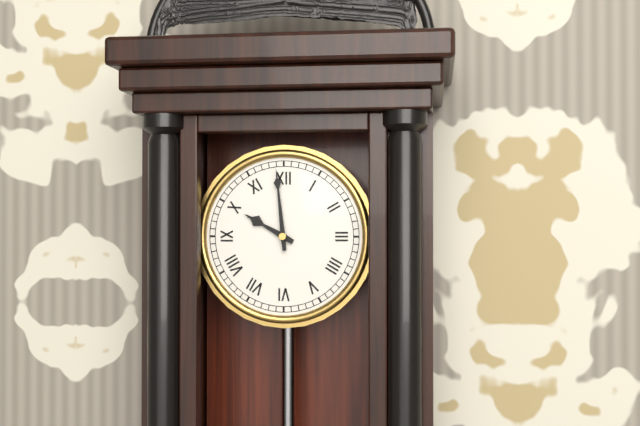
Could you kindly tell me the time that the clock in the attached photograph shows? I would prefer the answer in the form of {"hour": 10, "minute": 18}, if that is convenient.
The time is {"hour": 9, "minute": 59}
